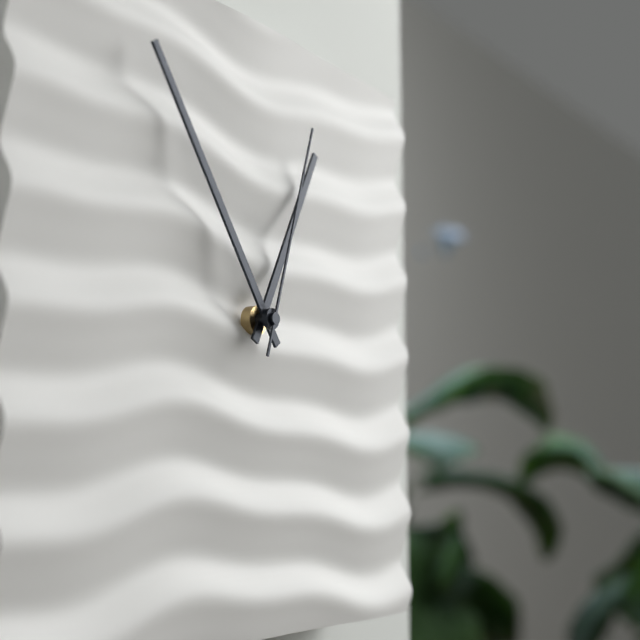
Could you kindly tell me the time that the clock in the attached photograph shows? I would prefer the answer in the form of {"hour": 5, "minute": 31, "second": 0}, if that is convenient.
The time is {"hour": 12, "minute": 54, "second": 3}
